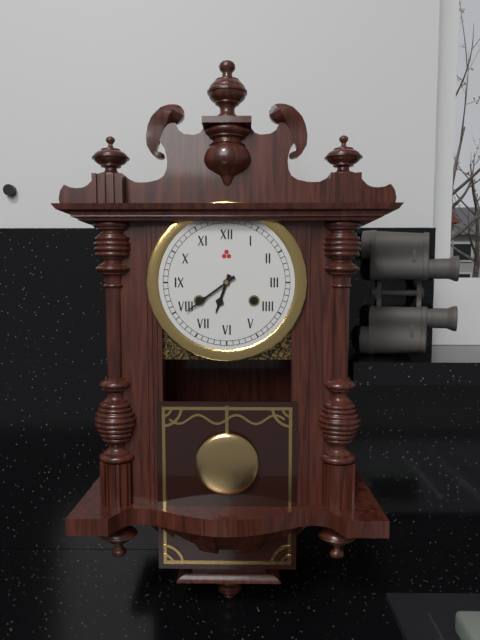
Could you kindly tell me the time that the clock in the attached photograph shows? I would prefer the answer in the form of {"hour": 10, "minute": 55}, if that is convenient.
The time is {"hour": 6, "minute": 39}
